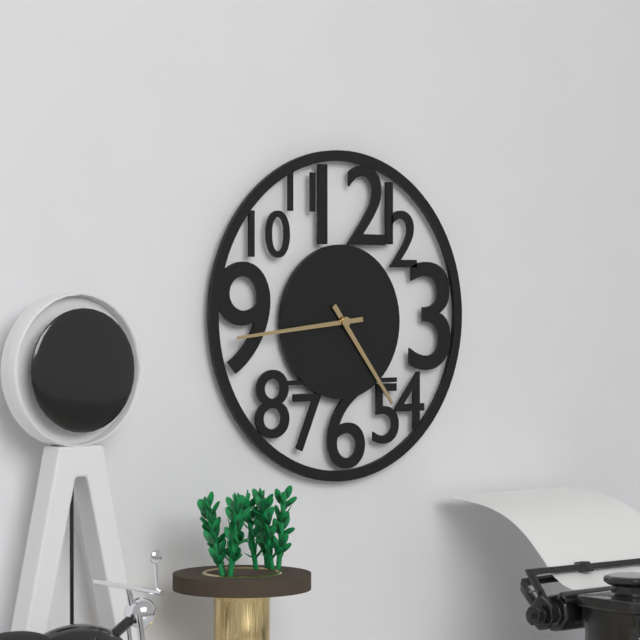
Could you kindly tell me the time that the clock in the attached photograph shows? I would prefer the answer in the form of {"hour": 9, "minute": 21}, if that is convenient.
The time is {"hour": 4, "minute": 44}
